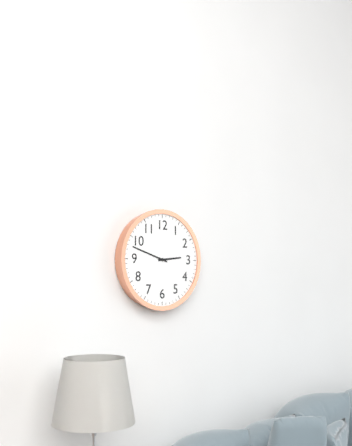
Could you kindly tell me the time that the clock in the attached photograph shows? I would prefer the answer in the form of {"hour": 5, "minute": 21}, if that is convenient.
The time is {"hour": 2, "minute": 48}
